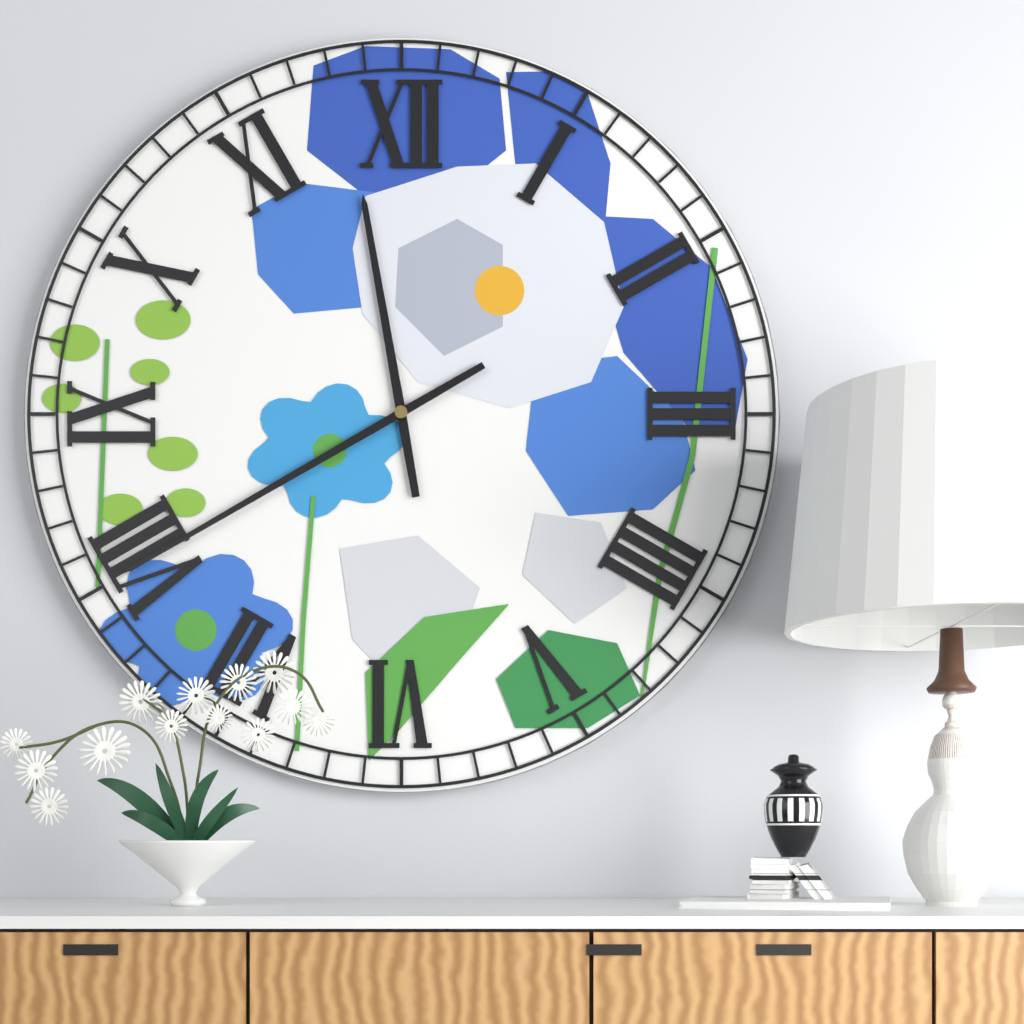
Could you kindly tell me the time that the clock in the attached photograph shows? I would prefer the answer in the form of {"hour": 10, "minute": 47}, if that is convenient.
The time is {"hour": 11, "minute": 40}
